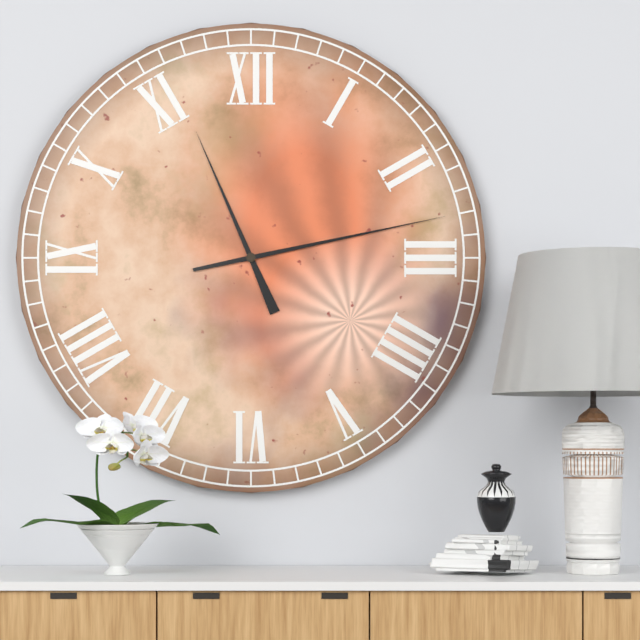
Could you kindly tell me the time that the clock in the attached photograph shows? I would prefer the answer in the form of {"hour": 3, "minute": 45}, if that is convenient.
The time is {"hour": 11, "minute": 13}
